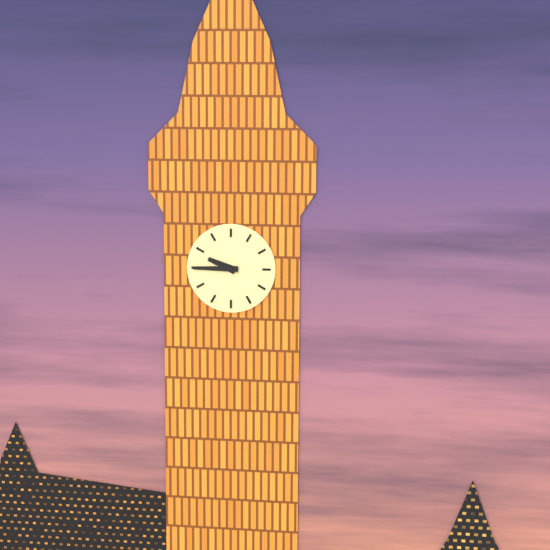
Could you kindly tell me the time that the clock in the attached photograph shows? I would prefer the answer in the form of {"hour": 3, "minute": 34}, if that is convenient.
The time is {"hour": 9, "minute": 45}
